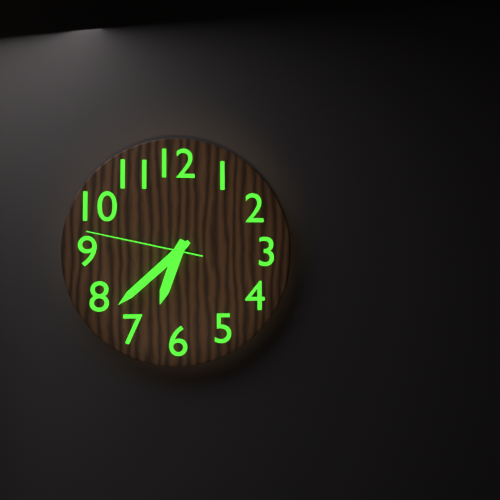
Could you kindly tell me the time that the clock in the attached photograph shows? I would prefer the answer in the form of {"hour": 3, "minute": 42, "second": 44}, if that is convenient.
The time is {"hour": 6, "minute": 38, "second": 47}
